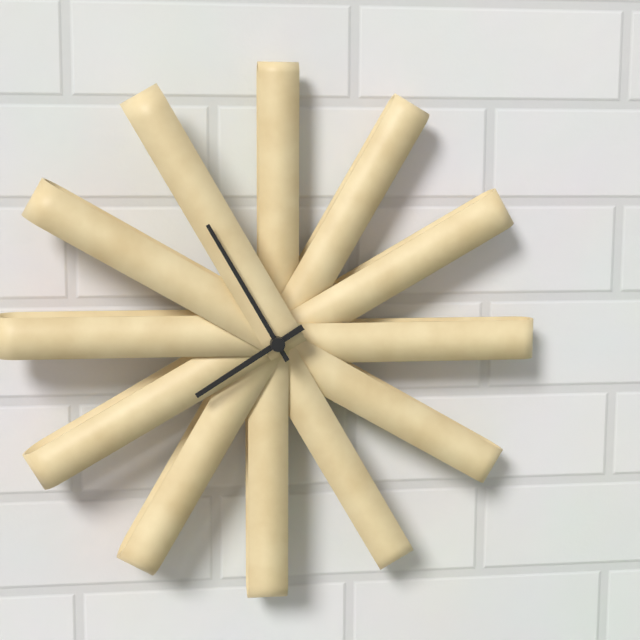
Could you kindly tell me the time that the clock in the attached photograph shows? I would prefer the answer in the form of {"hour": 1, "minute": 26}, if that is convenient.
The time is {"hour": 7, "minute": 55}
